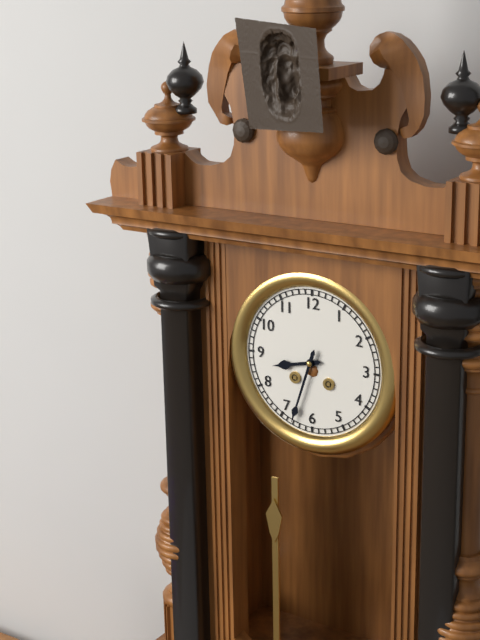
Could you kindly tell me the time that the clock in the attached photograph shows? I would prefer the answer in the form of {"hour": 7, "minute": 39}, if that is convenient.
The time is {"hour": 8, "minute": 33}
